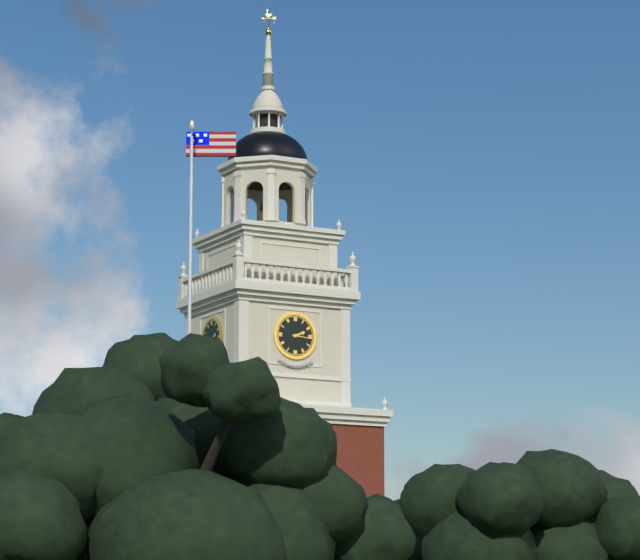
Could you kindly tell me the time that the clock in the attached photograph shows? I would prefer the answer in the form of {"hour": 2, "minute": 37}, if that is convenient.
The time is {"hour": 2, "minute": 16}
